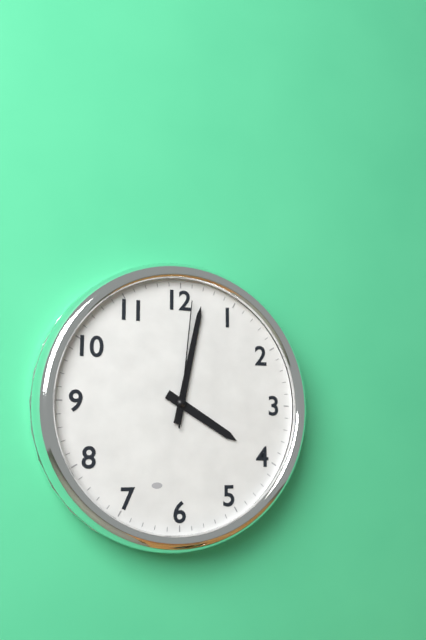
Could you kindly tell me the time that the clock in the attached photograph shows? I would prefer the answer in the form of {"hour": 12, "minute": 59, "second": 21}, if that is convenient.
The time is {"hour": 4, "minute": 2, "second": 1}
